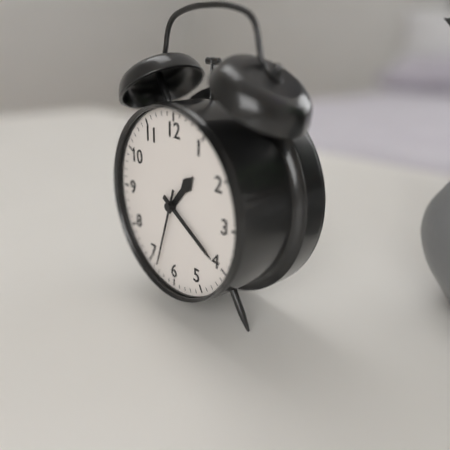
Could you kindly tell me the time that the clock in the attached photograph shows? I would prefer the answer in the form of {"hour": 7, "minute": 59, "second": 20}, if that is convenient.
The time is {"hour": 1, "minute": 20, "second": 33}
